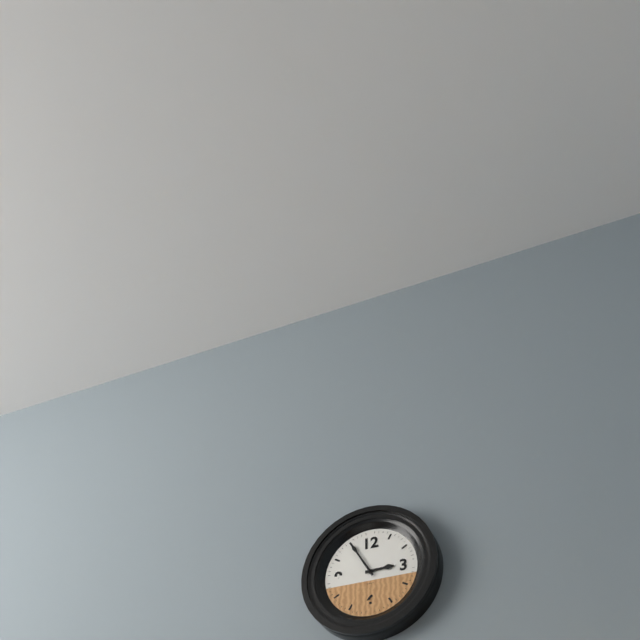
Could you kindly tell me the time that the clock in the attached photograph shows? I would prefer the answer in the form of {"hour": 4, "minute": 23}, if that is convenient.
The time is {"hour": 2, "minute": 55}
